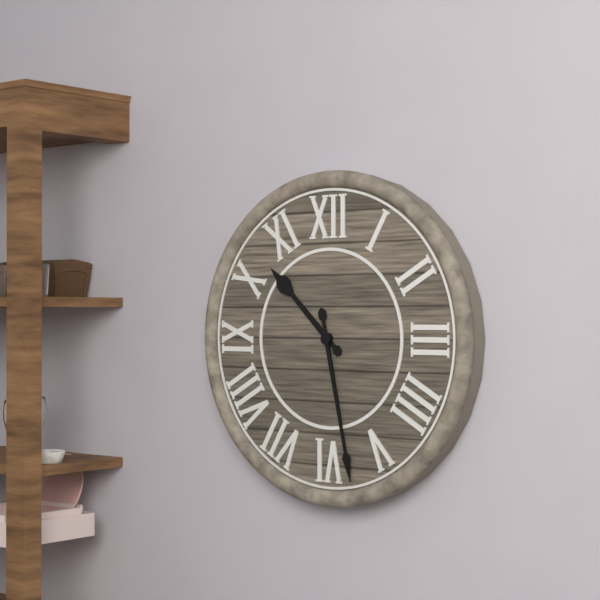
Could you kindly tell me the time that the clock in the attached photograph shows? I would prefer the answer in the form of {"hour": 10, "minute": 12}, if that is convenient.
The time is {"hour": 10, "minute": 28}
